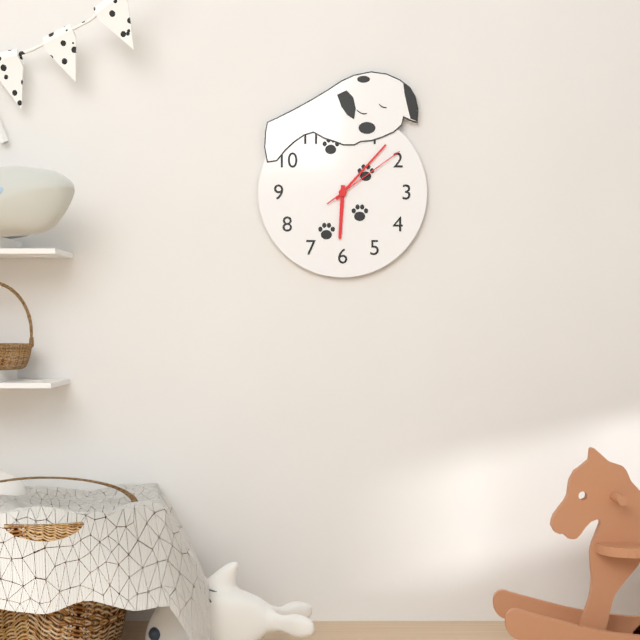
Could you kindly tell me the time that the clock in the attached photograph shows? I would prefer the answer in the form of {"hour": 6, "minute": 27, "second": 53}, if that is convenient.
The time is {"hour": 6, "minute": 7, "second": 9}
